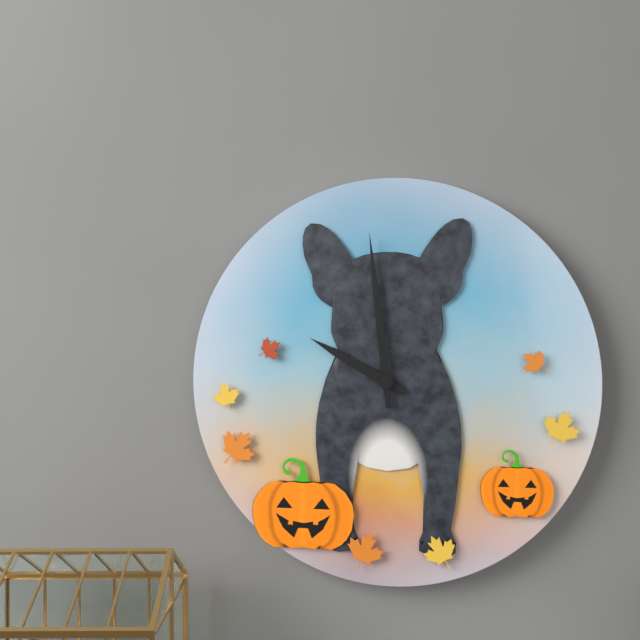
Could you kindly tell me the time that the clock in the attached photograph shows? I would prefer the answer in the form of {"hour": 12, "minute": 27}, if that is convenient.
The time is {"hour": 9, "minute": 59}
